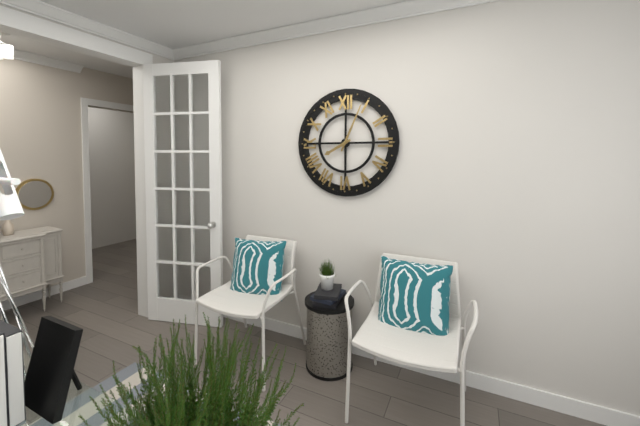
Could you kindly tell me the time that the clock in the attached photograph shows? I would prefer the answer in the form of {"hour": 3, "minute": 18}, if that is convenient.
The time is {"hour": 8, "minute": 4}
